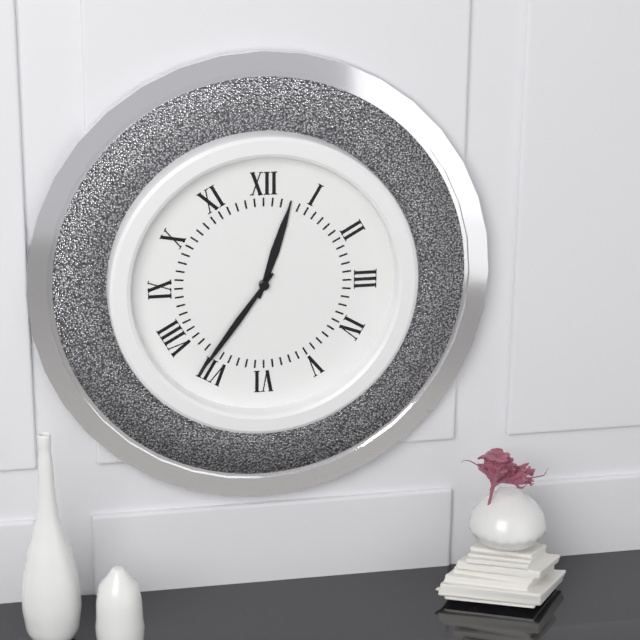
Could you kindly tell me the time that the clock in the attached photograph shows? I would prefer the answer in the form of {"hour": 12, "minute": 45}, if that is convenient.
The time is {"hour": 12, "minute": 36}
